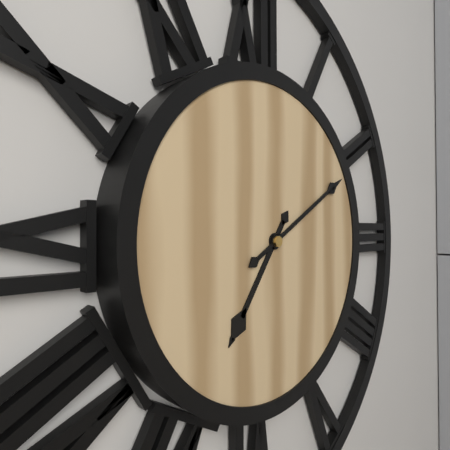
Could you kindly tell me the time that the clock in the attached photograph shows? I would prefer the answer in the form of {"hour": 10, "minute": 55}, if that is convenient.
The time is {"hour": 7, "minute": 10}
